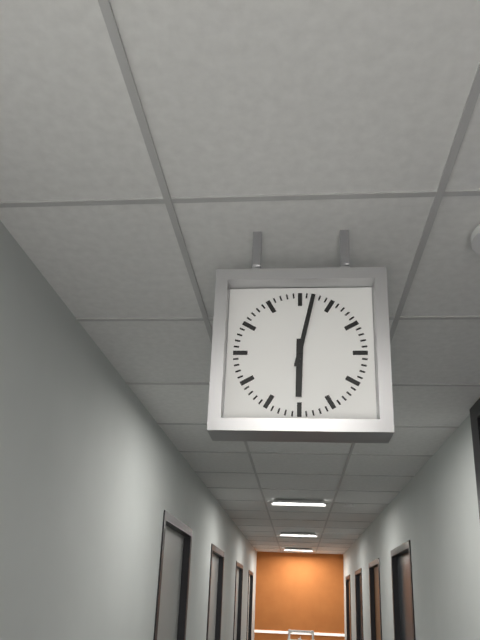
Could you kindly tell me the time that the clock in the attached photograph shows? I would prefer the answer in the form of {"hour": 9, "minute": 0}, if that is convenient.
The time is {"hour": 6, "minute": 2}
